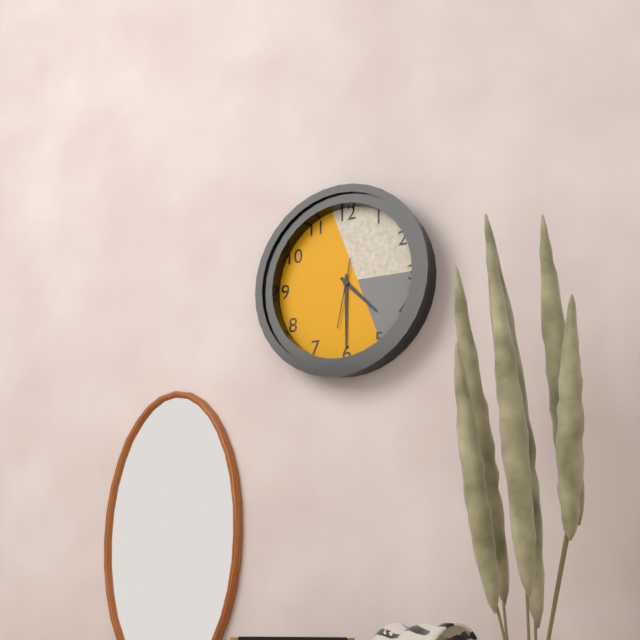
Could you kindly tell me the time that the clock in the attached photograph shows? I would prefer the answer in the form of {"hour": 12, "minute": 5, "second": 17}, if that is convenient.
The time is {"hour": 4, "minute": 30, "second": 32}
